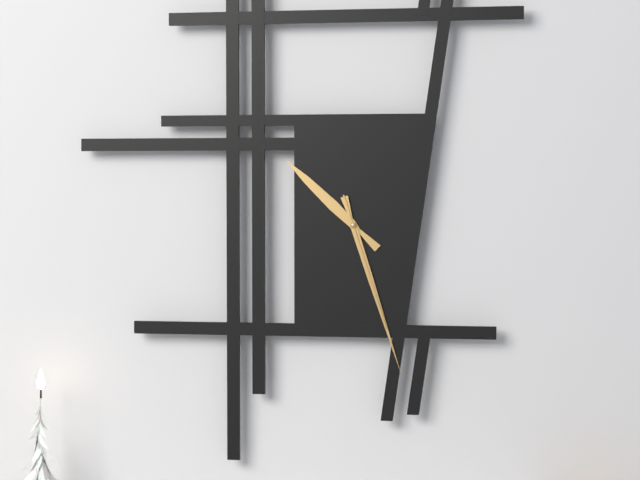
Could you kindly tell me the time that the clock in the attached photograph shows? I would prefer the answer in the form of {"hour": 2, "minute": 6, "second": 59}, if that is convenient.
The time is {"hour": 10, "minute": 27, "second": 27}
